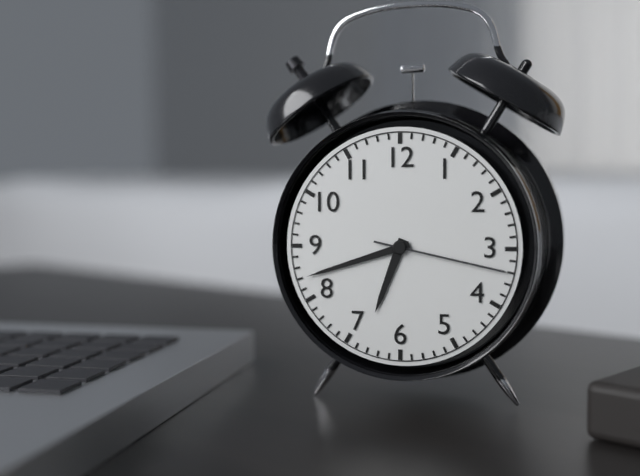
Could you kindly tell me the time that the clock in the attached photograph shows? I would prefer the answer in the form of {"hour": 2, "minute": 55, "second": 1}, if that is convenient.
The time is {"hour": 6, "minute": 42, "second": 17}
